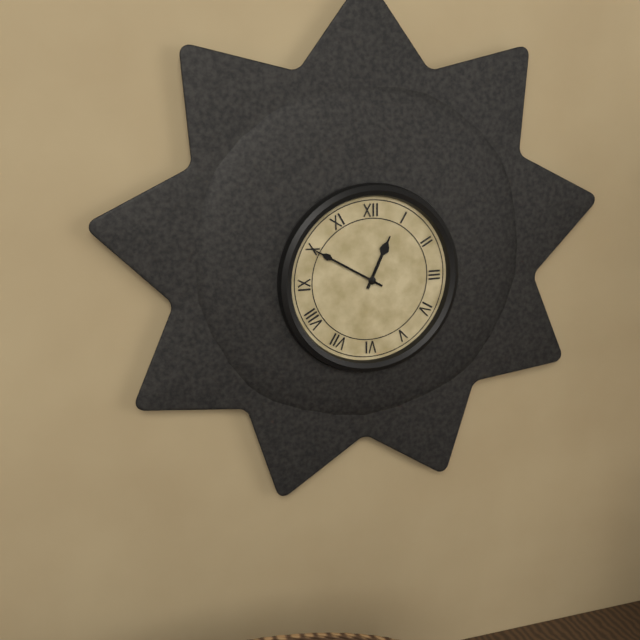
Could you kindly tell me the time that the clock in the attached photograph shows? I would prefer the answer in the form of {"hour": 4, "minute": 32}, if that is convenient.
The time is {"hour": 12, "minute": 50}
